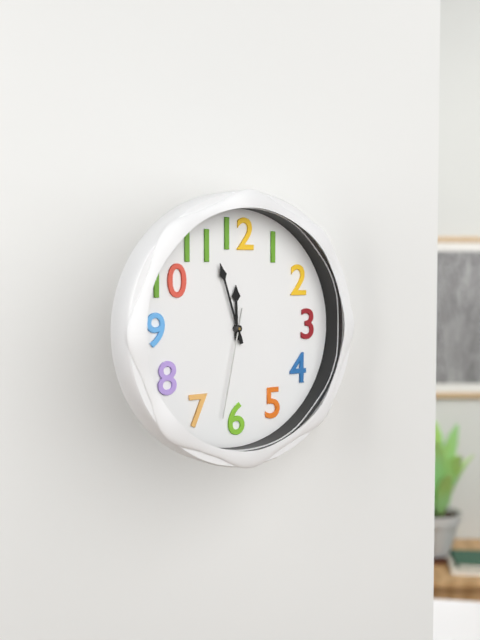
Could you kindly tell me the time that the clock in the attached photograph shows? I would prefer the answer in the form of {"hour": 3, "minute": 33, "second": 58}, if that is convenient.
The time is {"hour": 11, "minute": 57, "second": 32}
